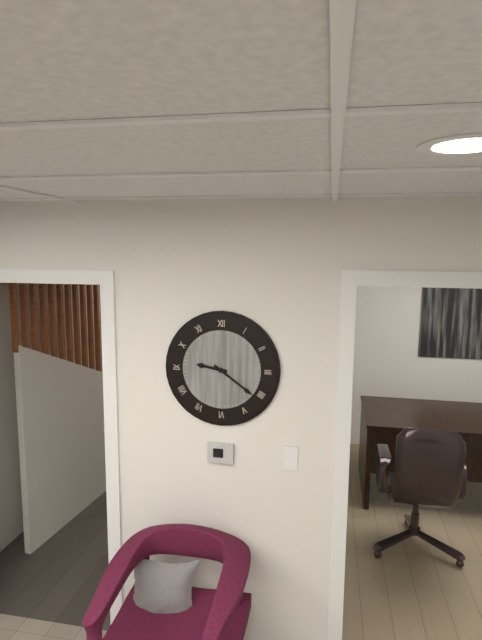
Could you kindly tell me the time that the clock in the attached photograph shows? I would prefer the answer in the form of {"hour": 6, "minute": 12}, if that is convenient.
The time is {"hour": 9, "minute": 21}
